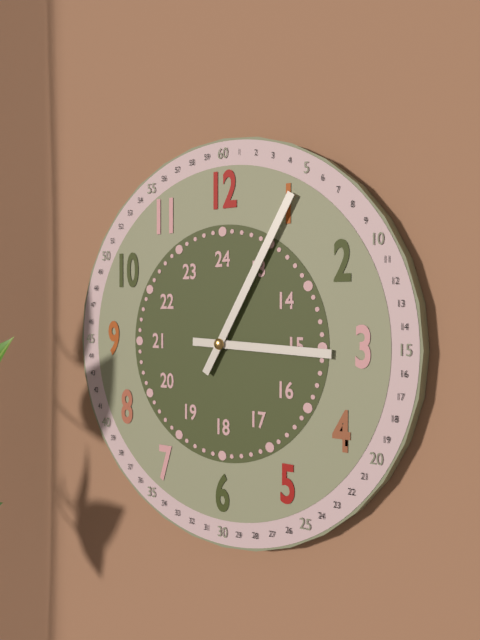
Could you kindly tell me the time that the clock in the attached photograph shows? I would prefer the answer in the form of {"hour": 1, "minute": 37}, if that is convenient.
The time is {"hour": 3, "minute": 5}
